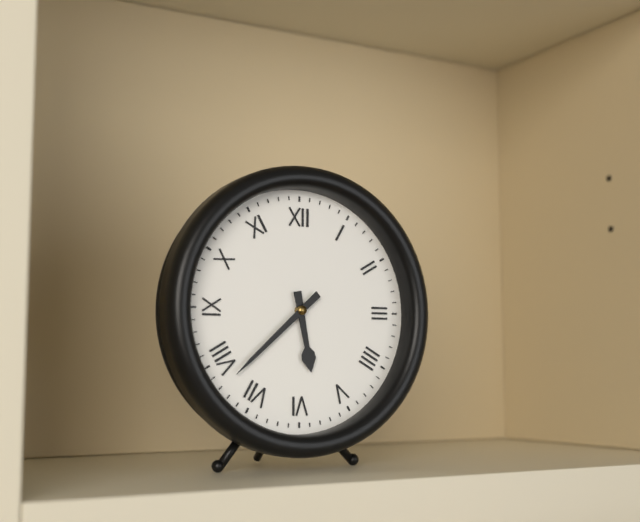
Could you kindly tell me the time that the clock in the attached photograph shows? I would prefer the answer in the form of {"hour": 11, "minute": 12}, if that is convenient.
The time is {"hour": 5, "minute": 38}
